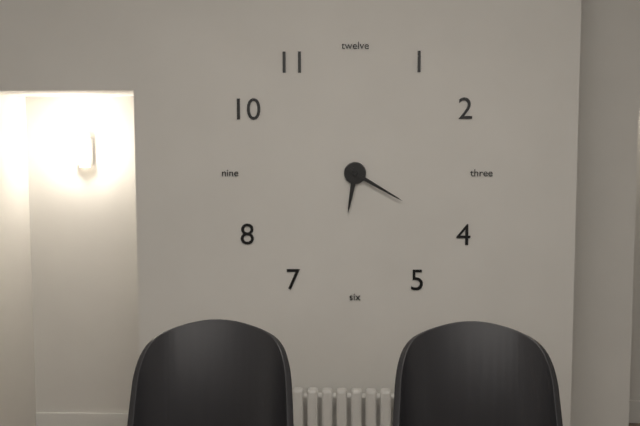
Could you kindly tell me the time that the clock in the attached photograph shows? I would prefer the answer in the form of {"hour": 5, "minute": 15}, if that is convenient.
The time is {"hour": 6, "minute": 20}
